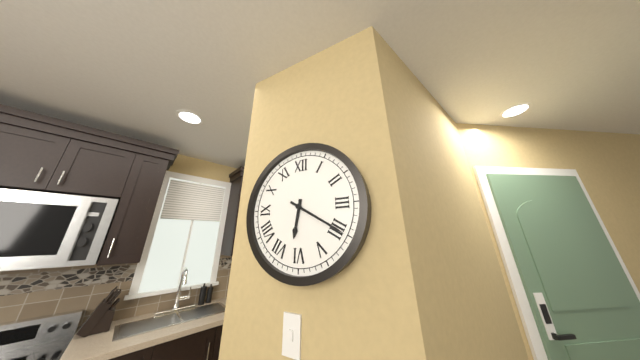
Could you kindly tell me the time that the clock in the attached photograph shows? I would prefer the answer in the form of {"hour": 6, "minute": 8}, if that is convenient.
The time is {"hour": 6, "minute": 20}
